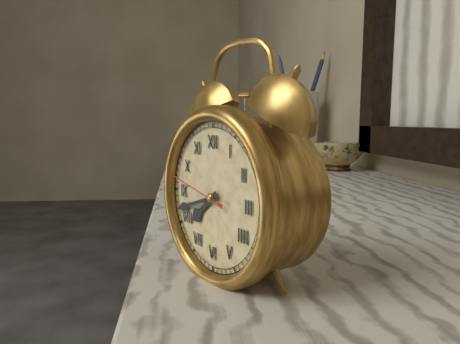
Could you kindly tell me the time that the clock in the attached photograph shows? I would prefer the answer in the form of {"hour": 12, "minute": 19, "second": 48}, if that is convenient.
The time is {"hour": 7, "minute": 42, "second": 47}
